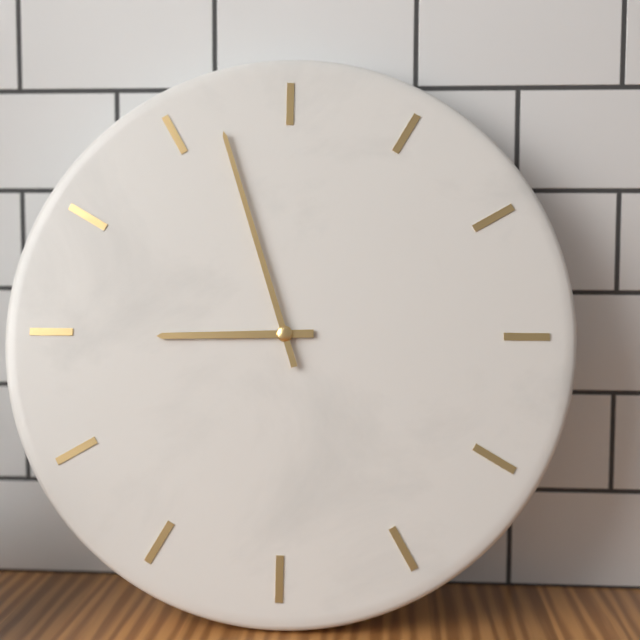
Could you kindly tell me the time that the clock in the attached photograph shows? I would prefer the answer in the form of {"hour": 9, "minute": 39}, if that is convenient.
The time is {"hour": 8, "minute": 57}
